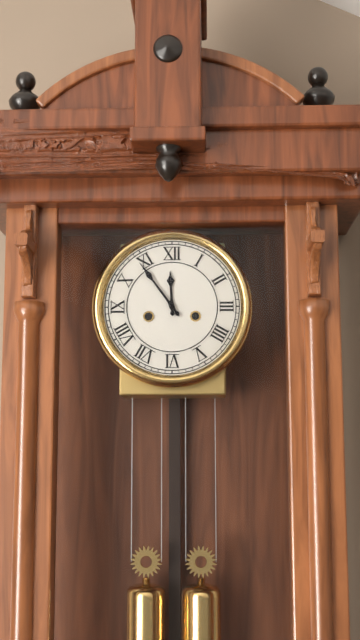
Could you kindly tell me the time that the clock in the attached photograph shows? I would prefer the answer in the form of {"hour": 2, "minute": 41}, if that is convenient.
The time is {"hour": 11, "minute": 54}
